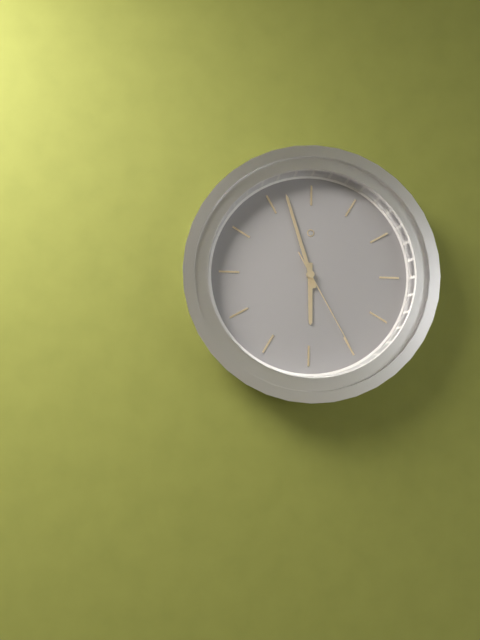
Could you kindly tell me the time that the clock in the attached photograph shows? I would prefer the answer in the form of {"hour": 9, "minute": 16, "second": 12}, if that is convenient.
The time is {"hour": 5, "minute": 57, "second": 25}
